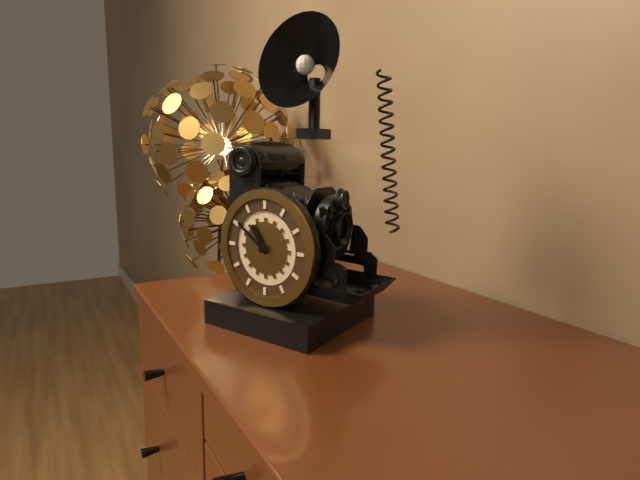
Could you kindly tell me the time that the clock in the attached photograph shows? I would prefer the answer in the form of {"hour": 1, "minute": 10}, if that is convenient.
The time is {"hour": 10, "minute": 51}
